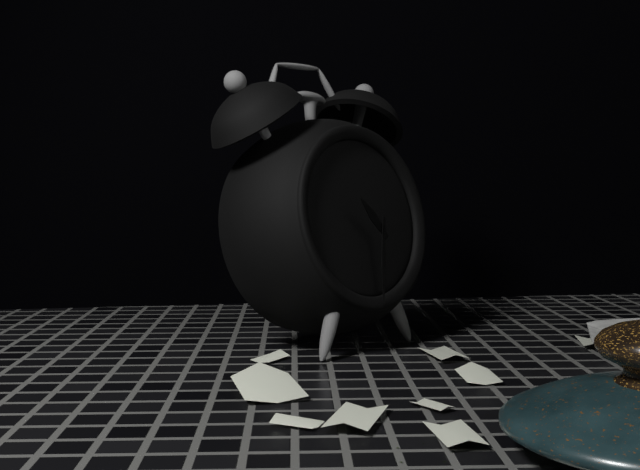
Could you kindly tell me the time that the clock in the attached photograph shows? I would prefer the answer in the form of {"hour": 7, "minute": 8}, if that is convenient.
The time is {"hour": 10, "minute": 30}
